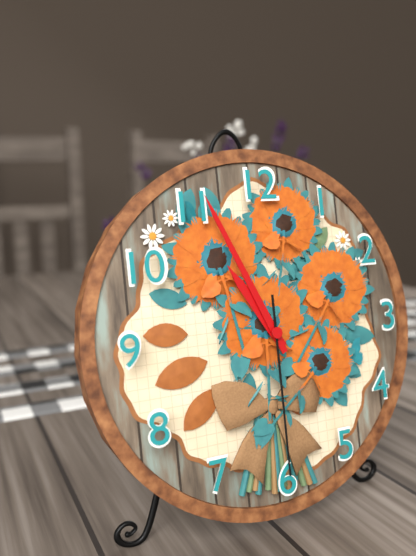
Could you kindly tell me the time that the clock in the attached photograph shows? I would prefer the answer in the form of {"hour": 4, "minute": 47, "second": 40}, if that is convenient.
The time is {"hour": 10, "minute": 56, "second": 30}
